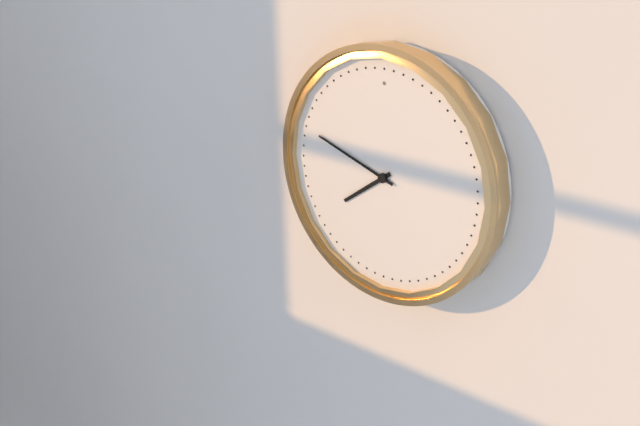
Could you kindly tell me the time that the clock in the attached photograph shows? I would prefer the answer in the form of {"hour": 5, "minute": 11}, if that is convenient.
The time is {"hour": 7, "minute": 48}
